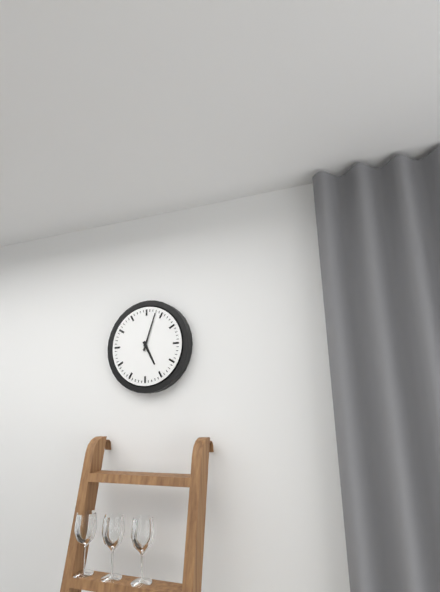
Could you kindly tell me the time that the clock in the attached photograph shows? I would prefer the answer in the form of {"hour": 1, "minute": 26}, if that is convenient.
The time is {"hour": 5, "minute": 3}
